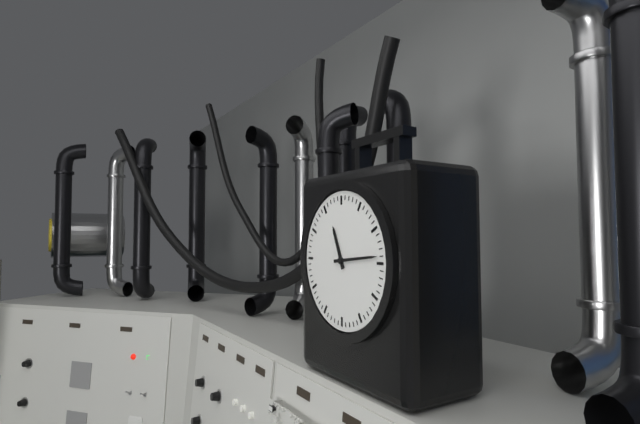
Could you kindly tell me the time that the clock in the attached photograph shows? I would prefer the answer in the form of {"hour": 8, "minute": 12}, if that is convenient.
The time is {"hour": 11, "minute": 14}
